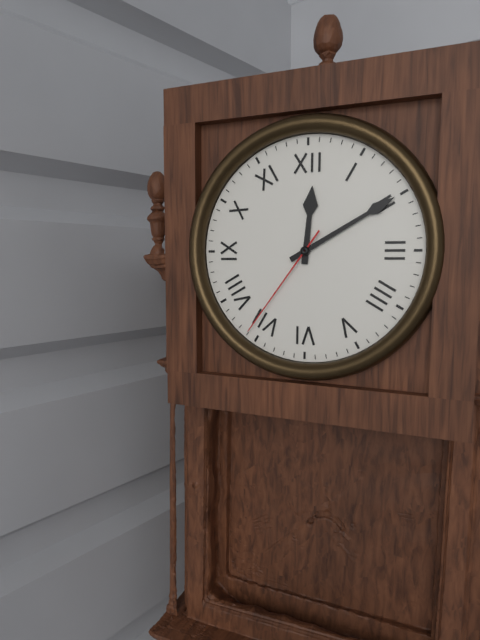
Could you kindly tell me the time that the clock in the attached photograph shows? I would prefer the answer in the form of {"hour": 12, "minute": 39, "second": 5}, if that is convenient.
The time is {"hour": 12, "minute": 10, "second": 36}
